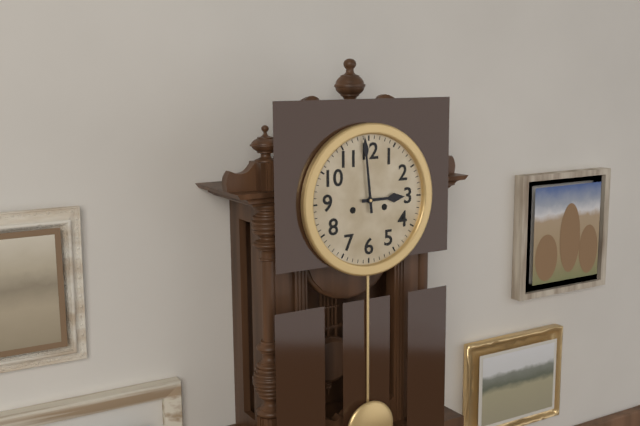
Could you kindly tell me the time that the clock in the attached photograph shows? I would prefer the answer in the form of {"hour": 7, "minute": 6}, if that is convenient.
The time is {"hour": 2, "minute": 59}
